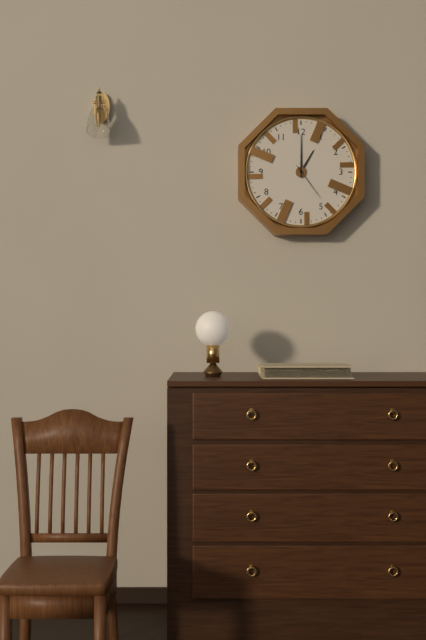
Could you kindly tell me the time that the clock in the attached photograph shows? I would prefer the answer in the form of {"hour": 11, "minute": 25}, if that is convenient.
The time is {"hour": 1, "minute": 0}
